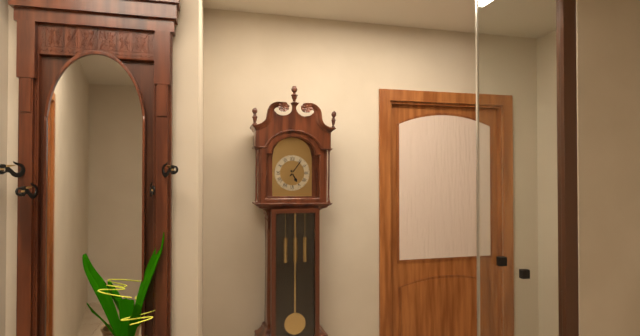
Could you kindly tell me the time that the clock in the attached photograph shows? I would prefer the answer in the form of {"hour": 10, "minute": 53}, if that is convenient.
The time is {"hour": 5, "minute": 6}
